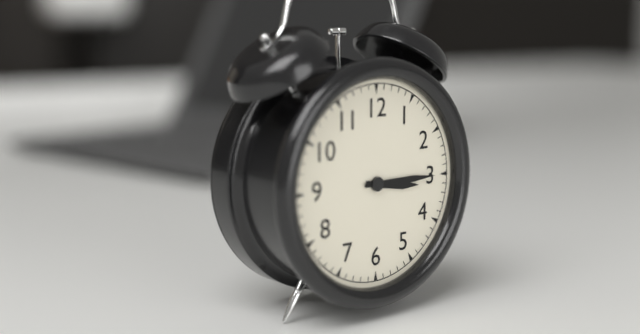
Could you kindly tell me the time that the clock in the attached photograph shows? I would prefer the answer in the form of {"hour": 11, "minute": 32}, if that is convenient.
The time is {"hour": 3, "minute": 15}
